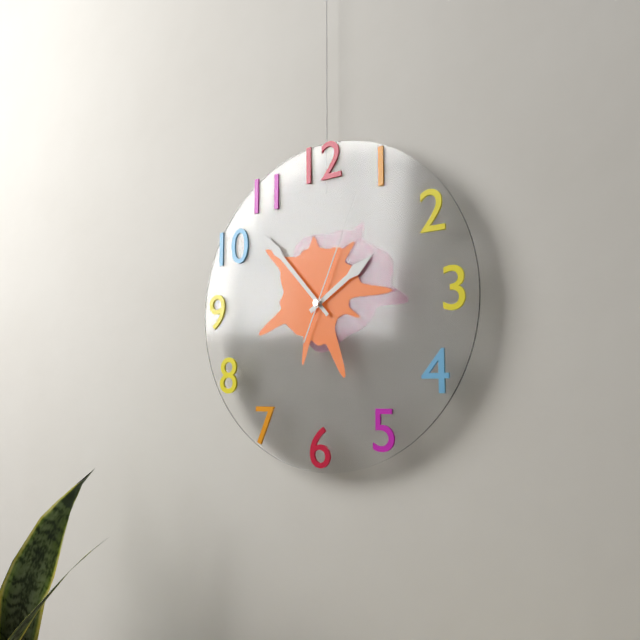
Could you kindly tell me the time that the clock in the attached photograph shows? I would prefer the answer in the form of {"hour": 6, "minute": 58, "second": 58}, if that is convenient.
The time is {"hour": 1, "minute": 53, "second": 4}
